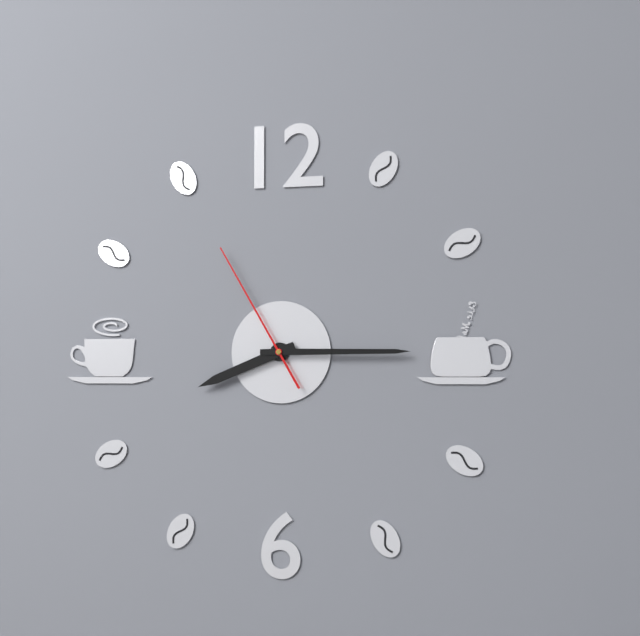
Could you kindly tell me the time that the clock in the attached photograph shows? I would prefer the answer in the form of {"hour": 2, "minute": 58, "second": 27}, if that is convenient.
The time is {"hour": 8, "minute": 15, "second": 55}
